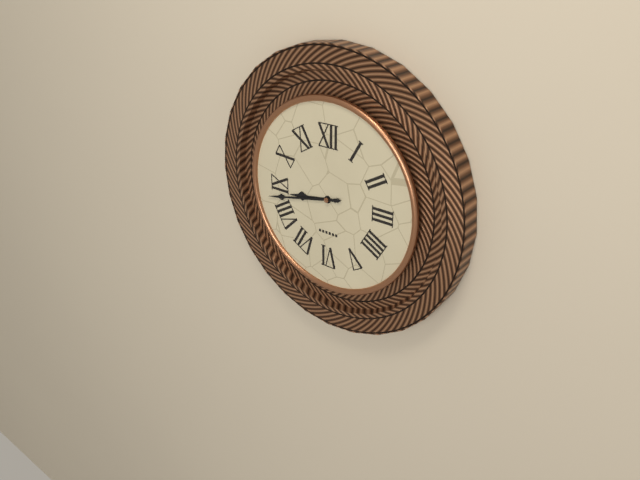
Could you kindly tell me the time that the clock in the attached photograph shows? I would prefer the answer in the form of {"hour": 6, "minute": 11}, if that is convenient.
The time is {"hour": 8, "minute": 43}
